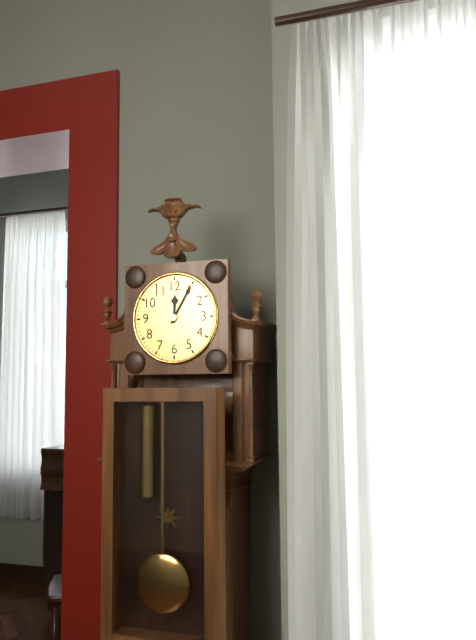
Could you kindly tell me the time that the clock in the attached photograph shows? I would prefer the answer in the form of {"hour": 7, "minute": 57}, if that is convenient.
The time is {"hour": 12, "minute": 5}
